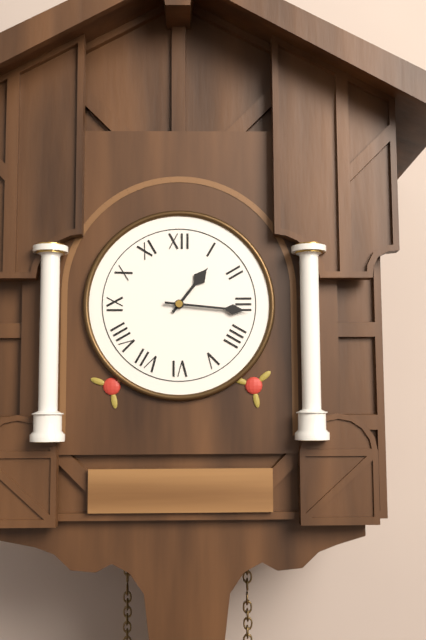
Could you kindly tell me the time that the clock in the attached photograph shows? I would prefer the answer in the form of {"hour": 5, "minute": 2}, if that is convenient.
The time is {"hour": 1, "minute": 16}
